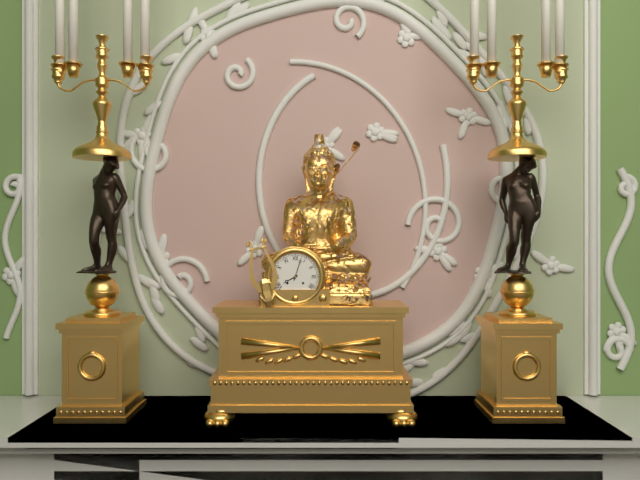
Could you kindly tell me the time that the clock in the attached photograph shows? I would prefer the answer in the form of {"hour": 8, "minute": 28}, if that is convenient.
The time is {"hour": 8, "minute": 3}
